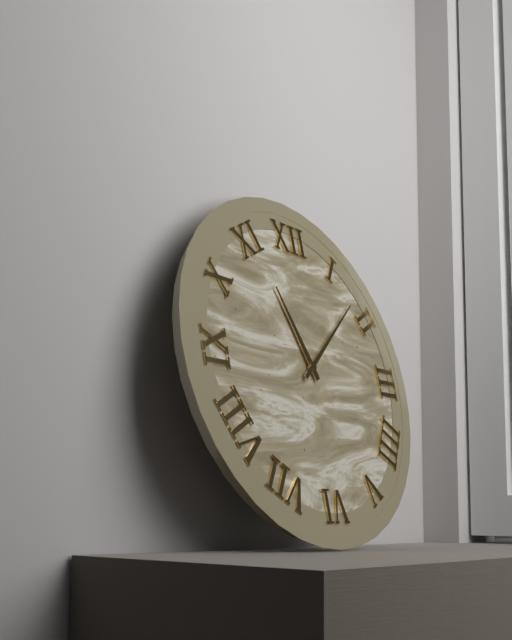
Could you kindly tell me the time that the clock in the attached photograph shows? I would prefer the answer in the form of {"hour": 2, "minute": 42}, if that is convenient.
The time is {"hour": 11, "minute": 8}
